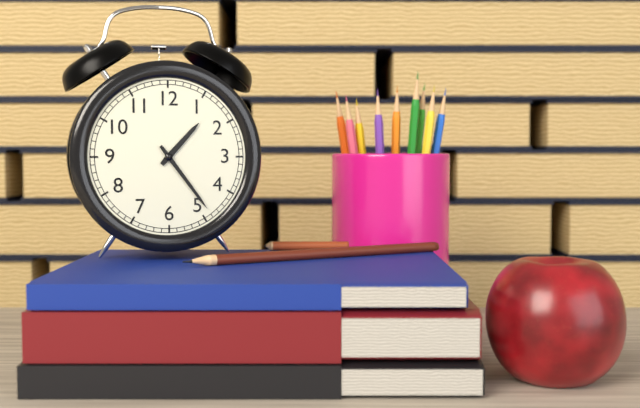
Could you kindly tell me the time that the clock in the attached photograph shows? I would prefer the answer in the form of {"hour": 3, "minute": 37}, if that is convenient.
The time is {"hour": 1, "minute": 24}
